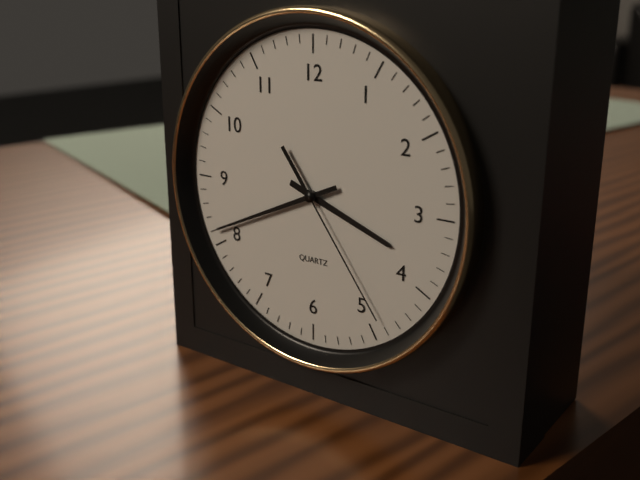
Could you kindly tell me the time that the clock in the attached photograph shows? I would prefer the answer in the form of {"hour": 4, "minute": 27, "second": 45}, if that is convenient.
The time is {"hour": 3, "minute": 41, "second": 24}
